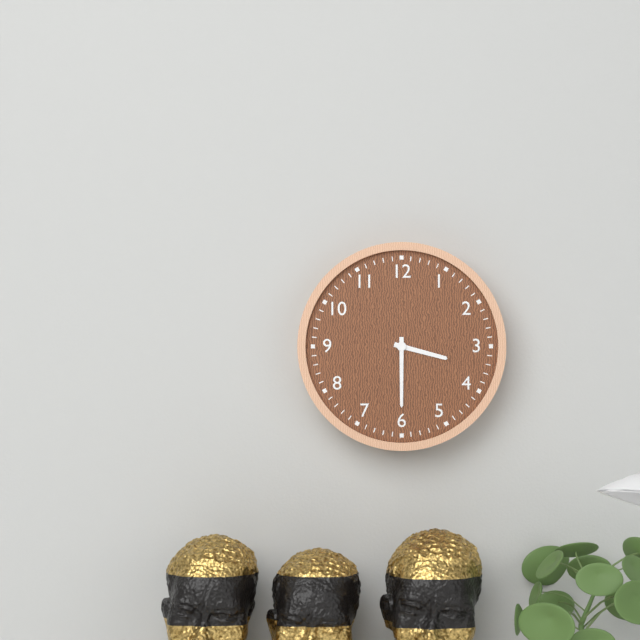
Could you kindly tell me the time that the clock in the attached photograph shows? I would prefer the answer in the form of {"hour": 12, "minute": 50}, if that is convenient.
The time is {"hour": 3, "minute": 30}
